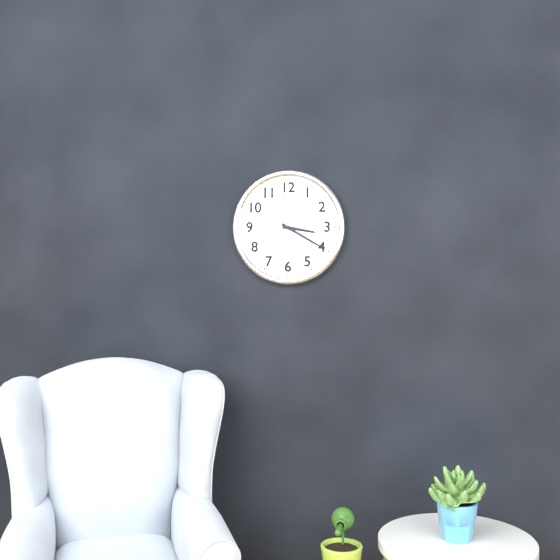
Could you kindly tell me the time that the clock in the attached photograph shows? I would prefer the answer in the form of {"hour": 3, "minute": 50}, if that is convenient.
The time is {"hour": 3, "minute": 20}
